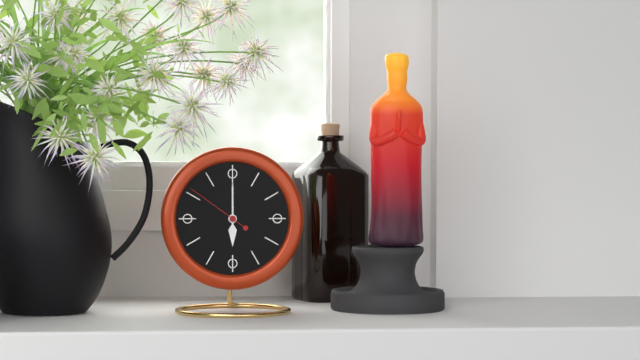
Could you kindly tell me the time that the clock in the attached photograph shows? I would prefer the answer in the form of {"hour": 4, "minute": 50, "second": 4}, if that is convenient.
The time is {"hour": 6, "minute": 0, "second": 51}
